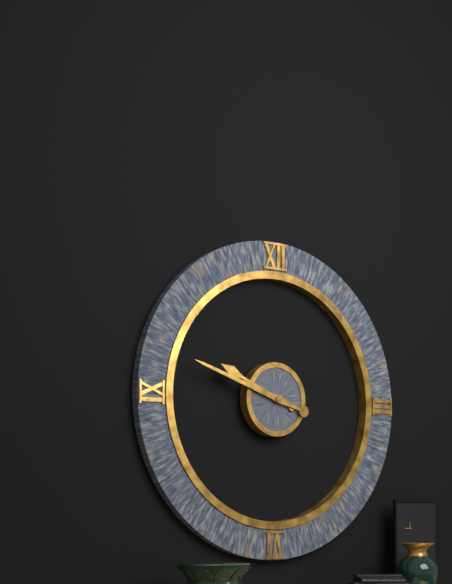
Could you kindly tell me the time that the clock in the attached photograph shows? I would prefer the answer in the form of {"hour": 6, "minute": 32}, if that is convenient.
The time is {"hour": 9, "minute": 48}
